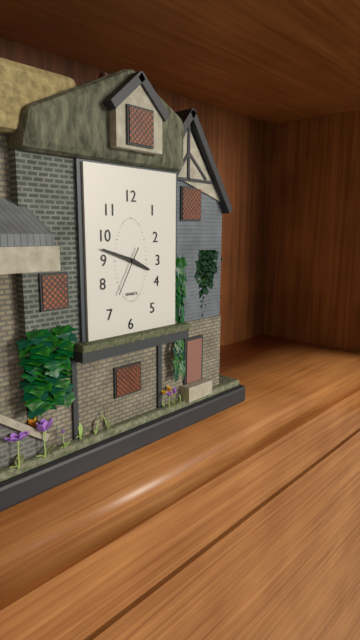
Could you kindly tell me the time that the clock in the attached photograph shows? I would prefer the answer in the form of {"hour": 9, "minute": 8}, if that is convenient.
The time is {"hour": 3, "minute": 48}
